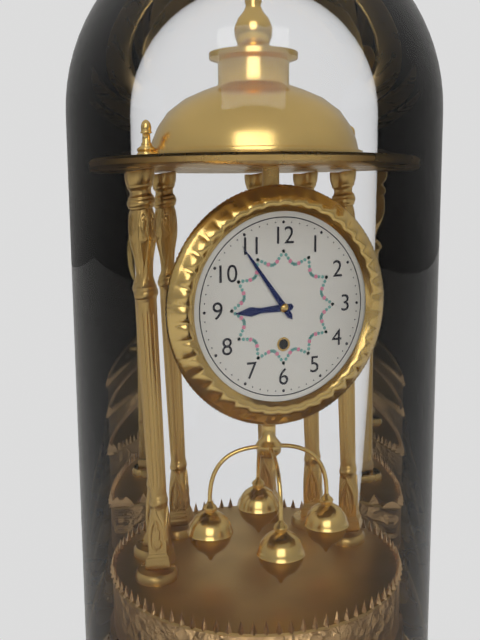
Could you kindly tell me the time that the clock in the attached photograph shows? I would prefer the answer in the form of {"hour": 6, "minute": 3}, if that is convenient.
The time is {"hour": 8, "minute": 54}
